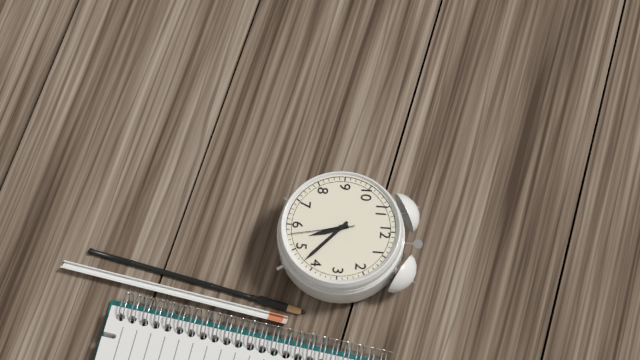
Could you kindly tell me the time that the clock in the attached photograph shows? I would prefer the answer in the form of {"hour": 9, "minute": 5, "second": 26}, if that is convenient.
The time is {"hour": 5, "minute": 22, "second": 28}
